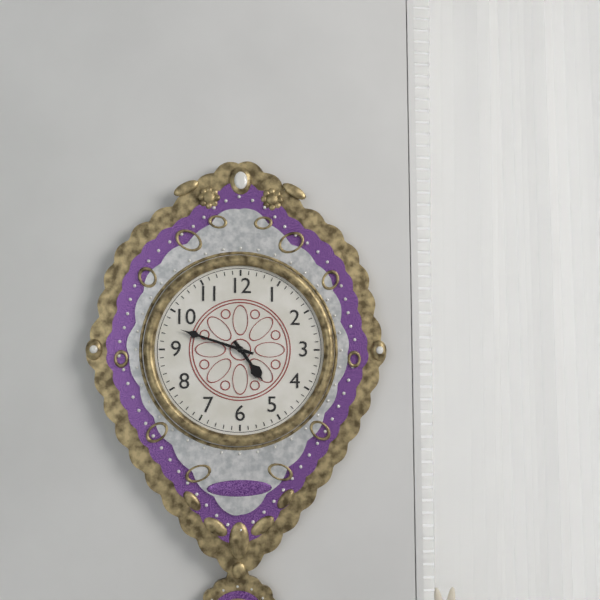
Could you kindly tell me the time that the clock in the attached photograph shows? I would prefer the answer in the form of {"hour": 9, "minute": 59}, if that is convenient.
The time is {"hour": 4, "minute": 48}
